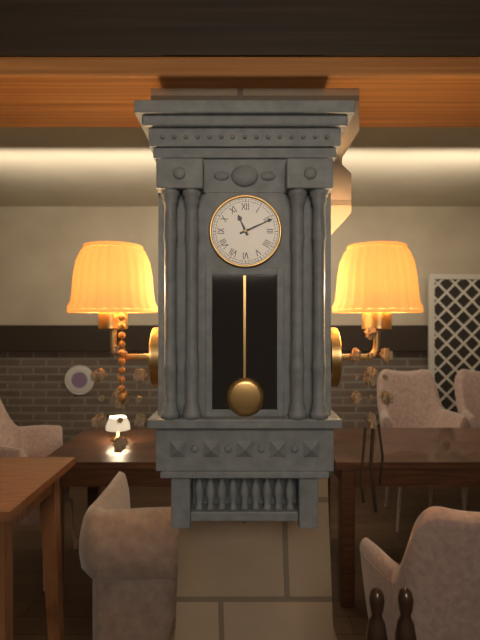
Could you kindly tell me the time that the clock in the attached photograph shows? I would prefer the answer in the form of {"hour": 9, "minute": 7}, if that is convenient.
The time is {"hour": 11, "minute": 11}
